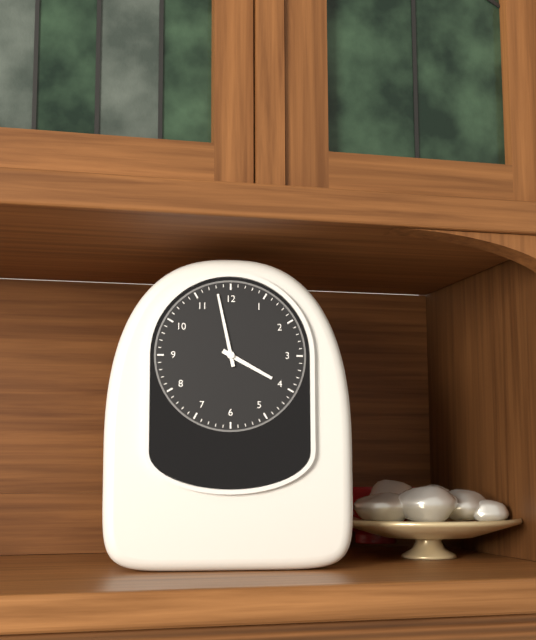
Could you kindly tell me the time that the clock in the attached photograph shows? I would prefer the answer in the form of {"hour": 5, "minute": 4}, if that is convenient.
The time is {"hour": 3, "minute": 58}
